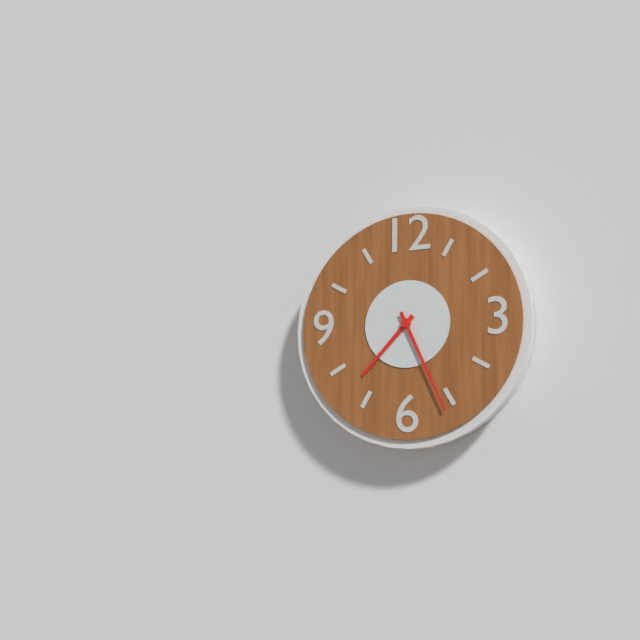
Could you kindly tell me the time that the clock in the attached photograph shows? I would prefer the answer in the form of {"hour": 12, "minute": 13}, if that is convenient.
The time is {"hour": 7, "minute": 26}
